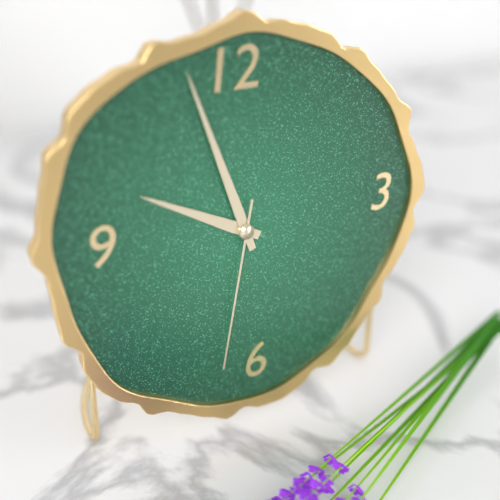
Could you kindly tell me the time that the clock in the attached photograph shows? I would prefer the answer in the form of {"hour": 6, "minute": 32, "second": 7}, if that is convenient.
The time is {"hour": 9, "minute": 57, "second": 32}
